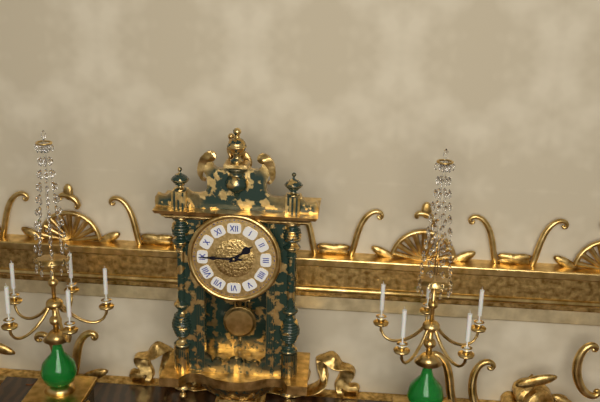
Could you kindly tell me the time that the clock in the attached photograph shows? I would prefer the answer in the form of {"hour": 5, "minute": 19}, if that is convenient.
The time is {"hour": 1, "minute": 45}
